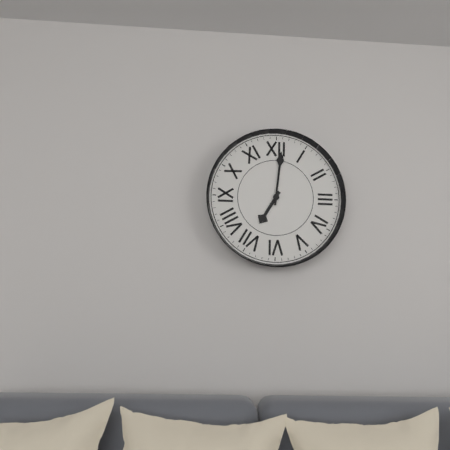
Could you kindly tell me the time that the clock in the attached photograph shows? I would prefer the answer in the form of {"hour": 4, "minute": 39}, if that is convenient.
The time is {"hour": 7, "minute": 1}
